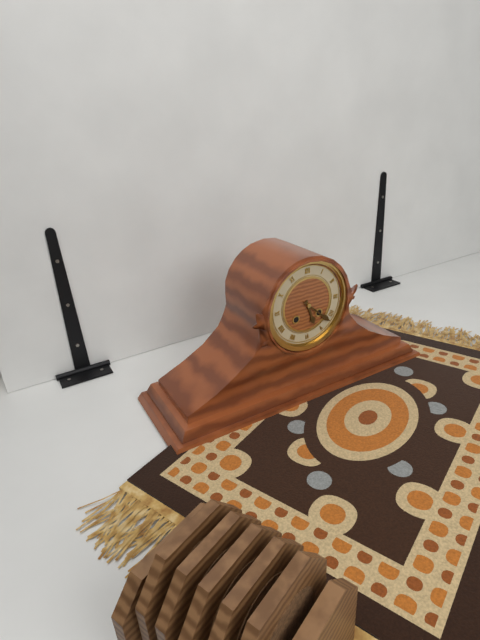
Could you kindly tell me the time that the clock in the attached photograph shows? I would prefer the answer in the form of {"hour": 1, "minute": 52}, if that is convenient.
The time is {"hour": 5, "minute": 22}
